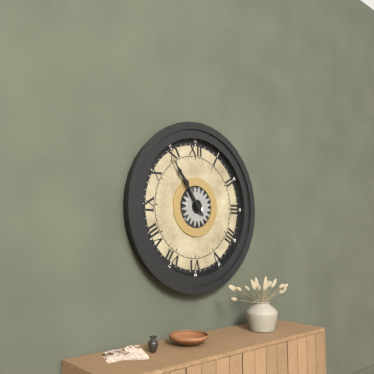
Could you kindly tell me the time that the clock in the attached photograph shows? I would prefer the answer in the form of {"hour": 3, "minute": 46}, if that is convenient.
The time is {"hour": 10, "minute": 54}
